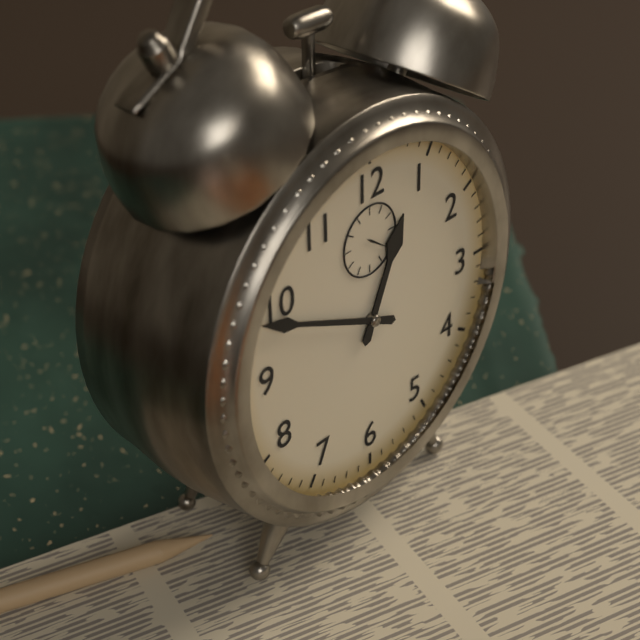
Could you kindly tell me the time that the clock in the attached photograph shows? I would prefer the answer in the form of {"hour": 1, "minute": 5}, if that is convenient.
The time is {"hour": 12, "minute": 49}
